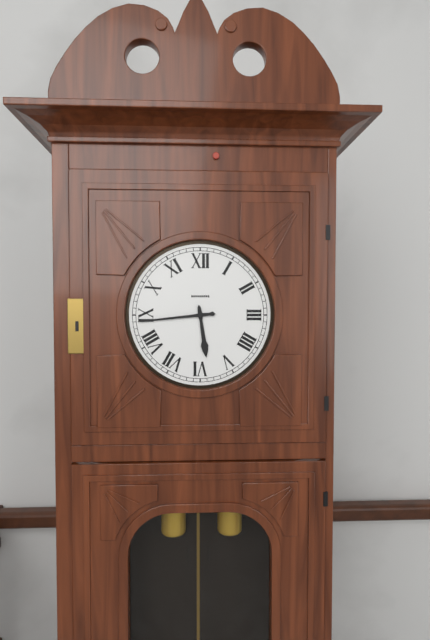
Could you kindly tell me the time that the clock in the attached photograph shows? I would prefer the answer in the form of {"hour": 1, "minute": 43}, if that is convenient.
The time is {"hour": 5, "minute": 44}
